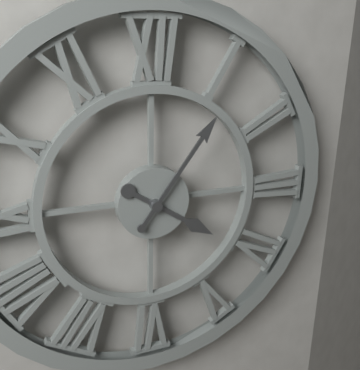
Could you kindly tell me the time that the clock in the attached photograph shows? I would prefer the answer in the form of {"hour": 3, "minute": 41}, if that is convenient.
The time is {"hour": 4, "minute": 6}
